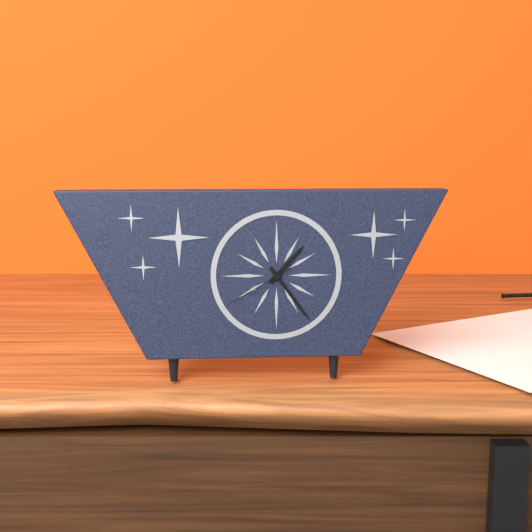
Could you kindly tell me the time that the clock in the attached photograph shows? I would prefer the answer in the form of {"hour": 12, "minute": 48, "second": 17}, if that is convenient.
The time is {"hour": 1, "minute": 24, "second": 40}
